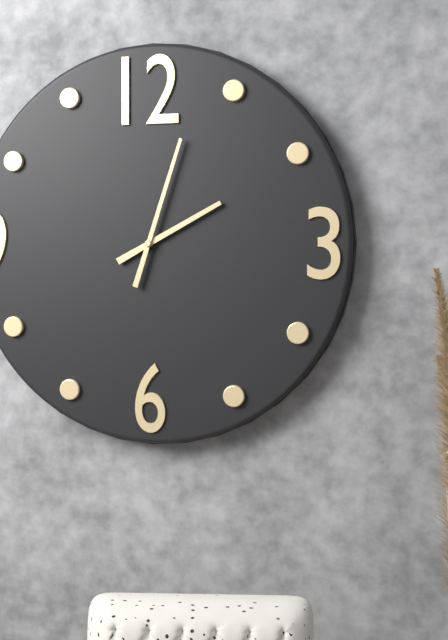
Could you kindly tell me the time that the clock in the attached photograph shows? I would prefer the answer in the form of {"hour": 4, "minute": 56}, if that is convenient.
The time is {"hour": 2, "minute": 3}
